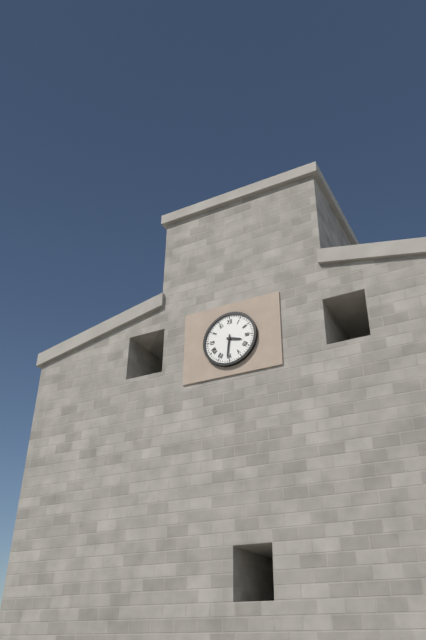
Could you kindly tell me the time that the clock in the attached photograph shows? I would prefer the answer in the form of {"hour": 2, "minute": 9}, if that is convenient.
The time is {"hour": 3, "minute": 31}
